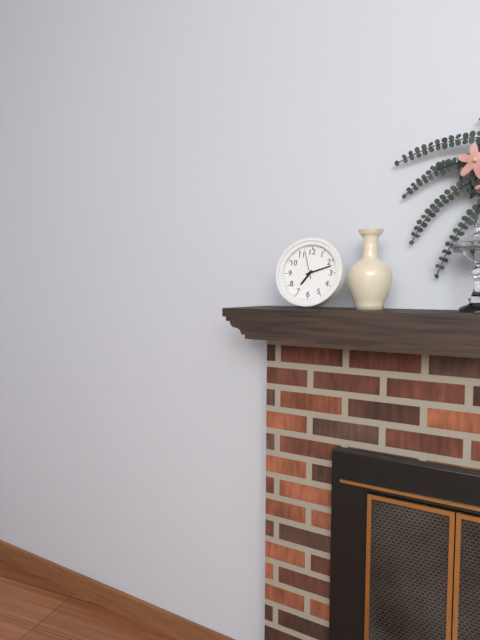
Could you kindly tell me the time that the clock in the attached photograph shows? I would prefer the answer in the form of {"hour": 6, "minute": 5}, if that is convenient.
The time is {"hour": 7, "minute": 12}
